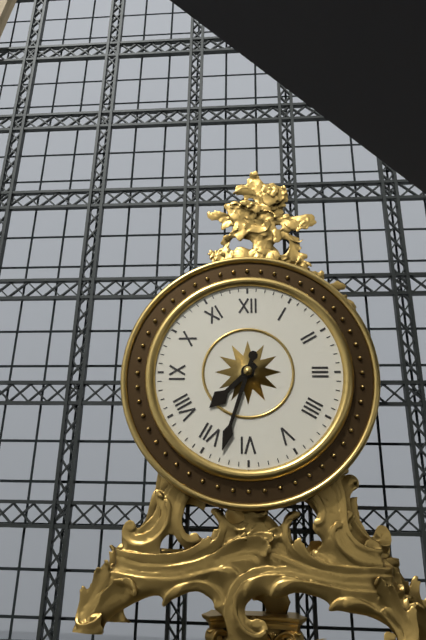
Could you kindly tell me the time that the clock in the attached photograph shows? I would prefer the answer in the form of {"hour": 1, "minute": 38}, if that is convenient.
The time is {"hour": 7, "minute": 33}
